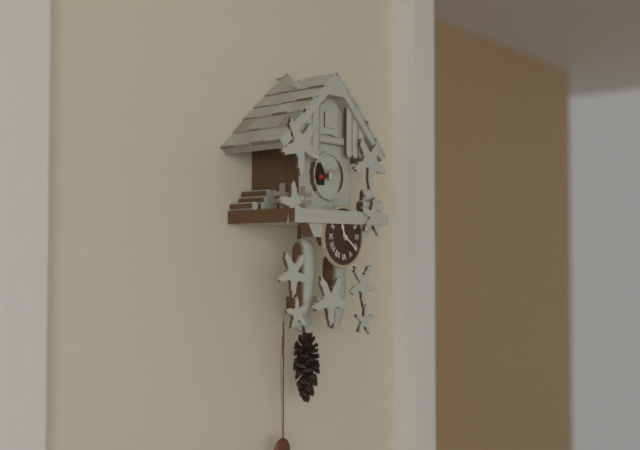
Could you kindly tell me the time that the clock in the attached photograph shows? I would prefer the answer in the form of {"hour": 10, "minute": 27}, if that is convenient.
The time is {"hour": 11, "minute": 21}
